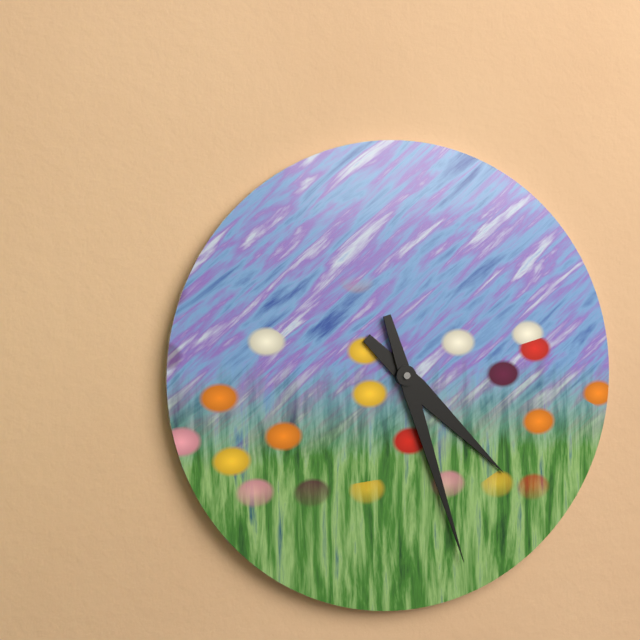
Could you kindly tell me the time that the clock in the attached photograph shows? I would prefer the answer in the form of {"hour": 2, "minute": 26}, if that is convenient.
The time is {"hour": 4, "minute": 27}
